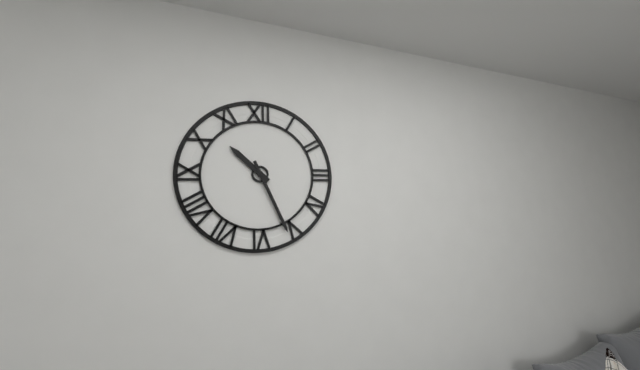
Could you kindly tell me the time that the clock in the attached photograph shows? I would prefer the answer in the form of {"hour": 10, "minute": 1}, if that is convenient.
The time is {"hour": 10, "minute": 26}
